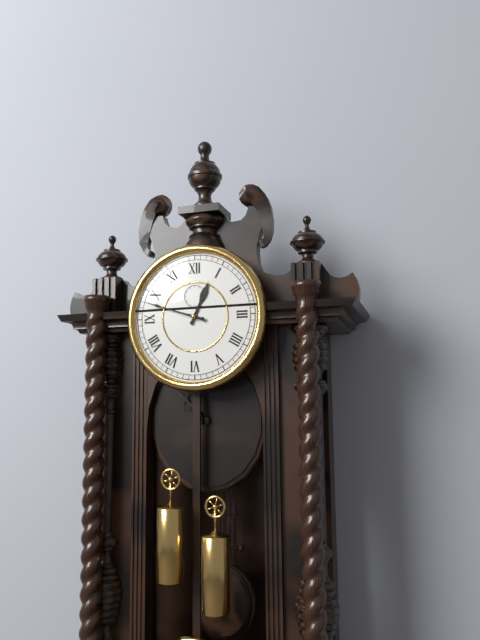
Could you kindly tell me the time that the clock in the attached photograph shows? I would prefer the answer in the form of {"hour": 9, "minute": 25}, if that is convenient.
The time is {"hour": 12, "minute": 48}
